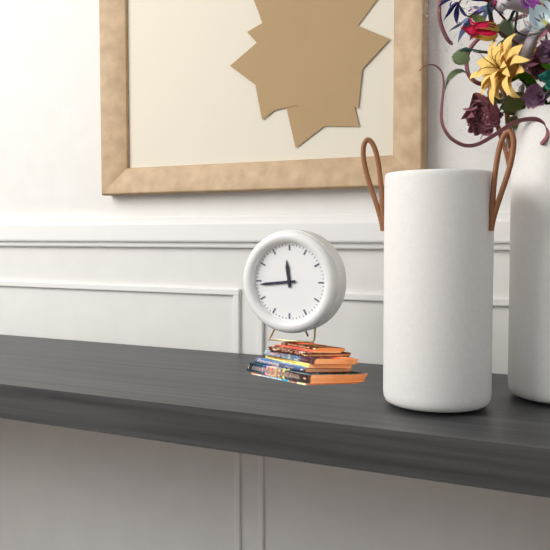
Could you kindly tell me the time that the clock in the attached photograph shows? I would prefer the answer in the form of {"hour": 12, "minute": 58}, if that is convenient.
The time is {"hour": 11, "minute": 44}
